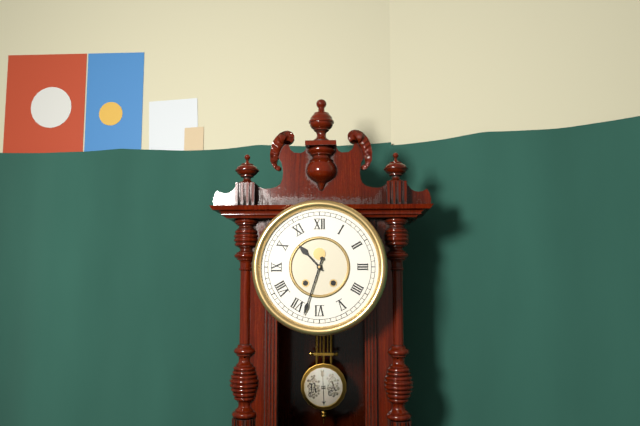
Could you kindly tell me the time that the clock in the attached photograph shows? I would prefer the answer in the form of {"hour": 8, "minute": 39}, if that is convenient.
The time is {"hour": 10, "minute": 33}
